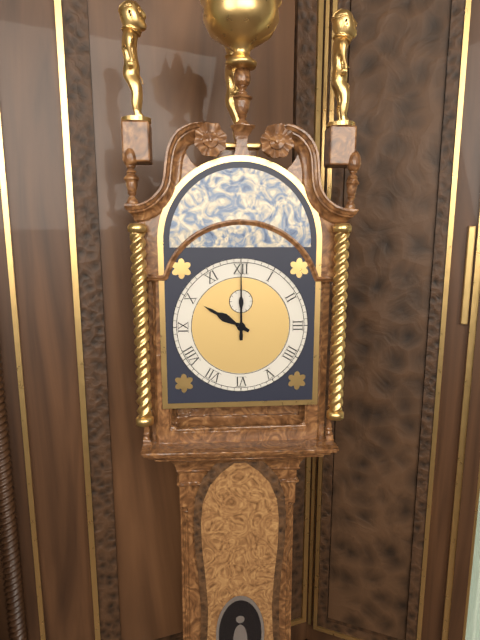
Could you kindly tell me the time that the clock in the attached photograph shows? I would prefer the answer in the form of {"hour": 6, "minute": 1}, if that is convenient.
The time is {"hour": 10, "minute": 0}
